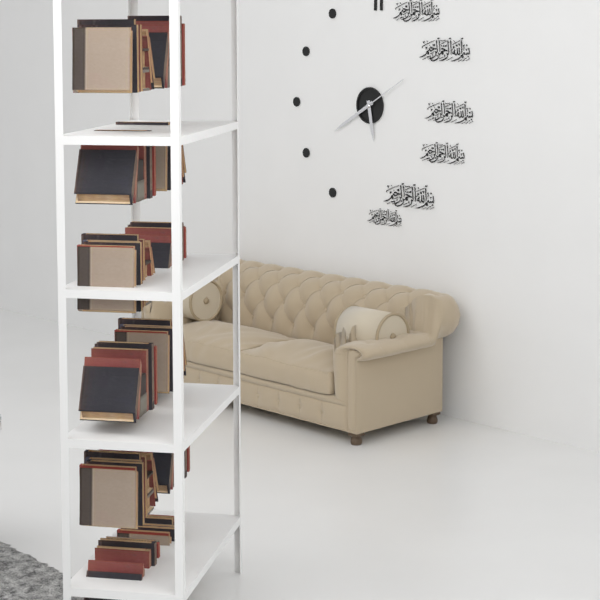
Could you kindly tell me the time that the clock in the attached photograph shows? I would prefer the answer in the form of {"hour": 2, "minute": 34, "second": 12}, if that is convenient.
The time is {"hour": 5, "minute": 40, "second": 10}
